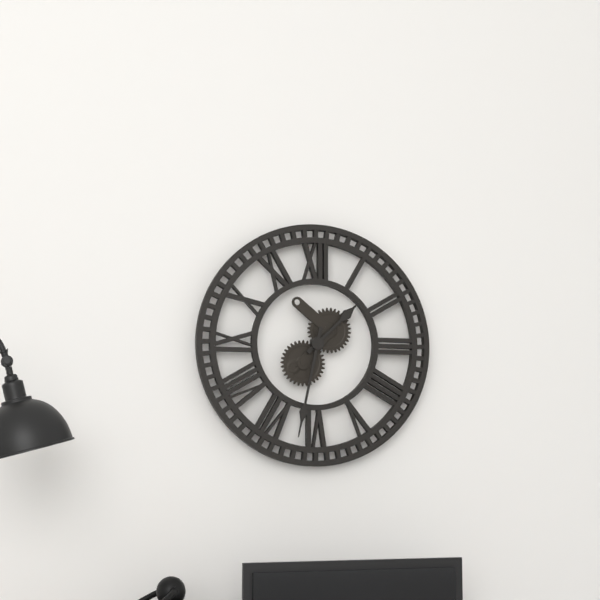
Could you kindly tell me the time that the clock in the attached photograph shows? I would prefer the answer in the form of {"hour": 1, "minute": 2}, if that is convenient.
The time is {"hour": 1, "minute": 32}
